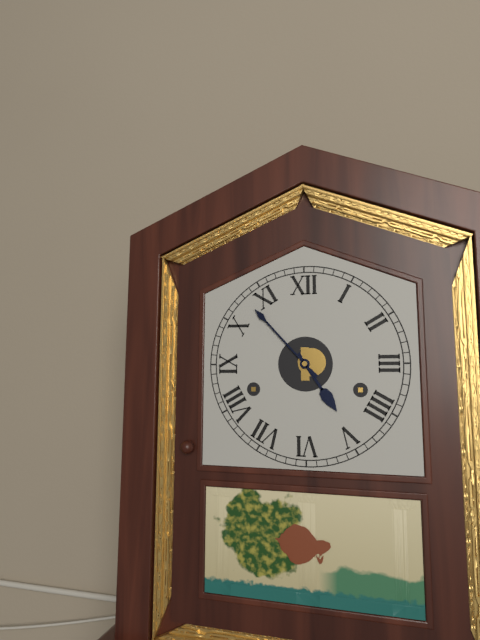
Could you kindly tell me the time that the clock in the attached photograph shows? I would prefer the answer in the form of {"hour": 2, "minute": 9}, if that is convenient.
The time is {"hour": 4, "minute": 53}
